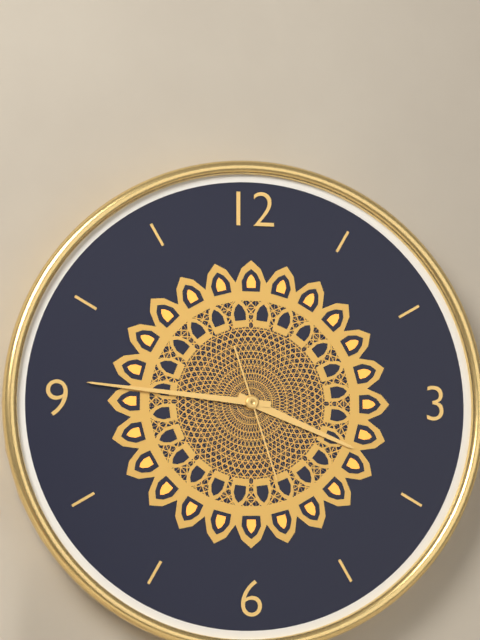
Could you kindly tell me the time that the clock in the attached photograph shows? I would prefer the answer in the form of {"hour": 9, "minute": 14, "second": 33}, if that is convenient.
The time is {"hour": 3, "minute": 46, "second": 27}
